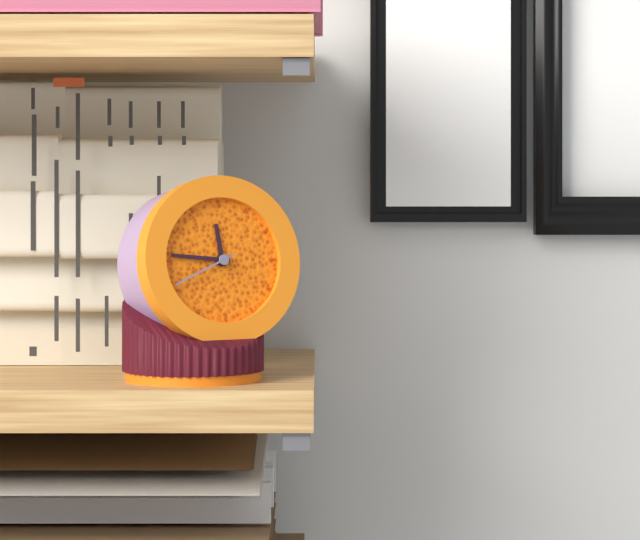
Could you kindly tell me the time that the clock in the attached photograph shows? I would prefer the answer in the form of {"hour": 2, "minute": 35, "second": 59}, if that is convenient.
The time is {"hour": 11, "minute": 46, "second": 41}
